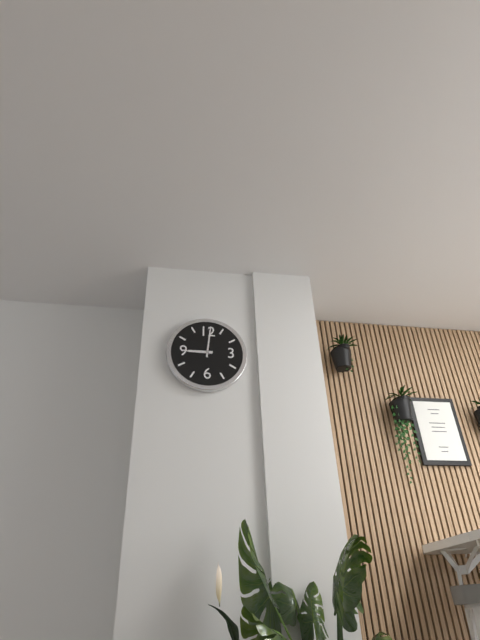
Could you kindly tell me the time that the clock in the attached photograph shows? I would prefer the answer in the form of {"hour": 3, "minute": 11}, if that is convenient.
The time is {"hour": 9, "minute": 1}
